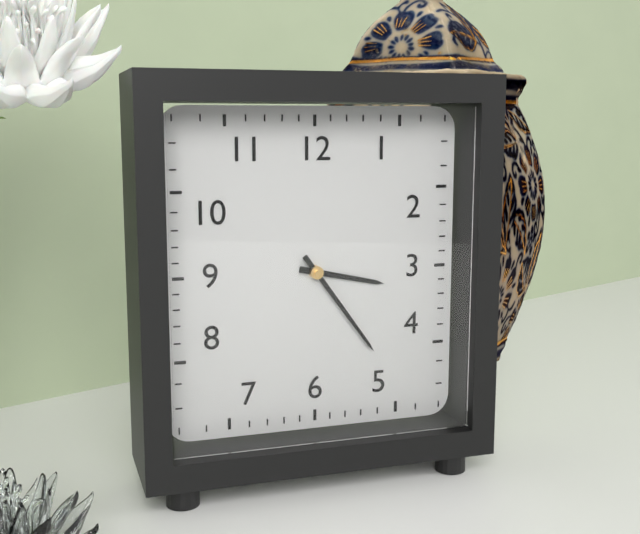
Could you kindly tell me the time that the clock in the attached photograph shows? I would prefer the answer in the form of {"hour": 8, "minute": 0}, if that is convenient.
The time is {"hour": 3, "minute": 24}
